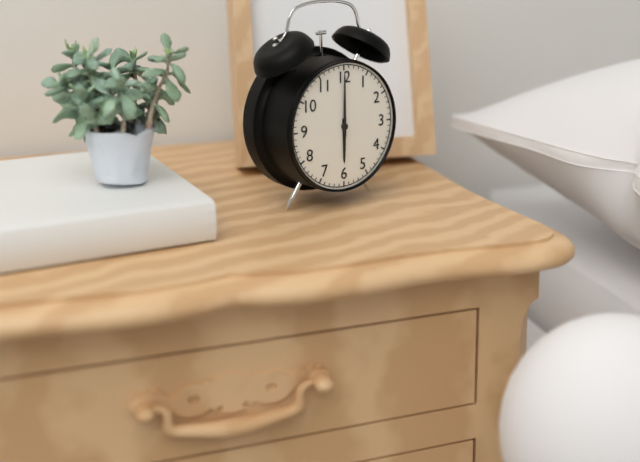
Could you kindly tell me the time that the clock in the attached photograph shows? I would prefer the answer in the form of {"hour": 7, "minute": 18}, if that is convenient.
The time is {"hour": 6, "minute": 0}
